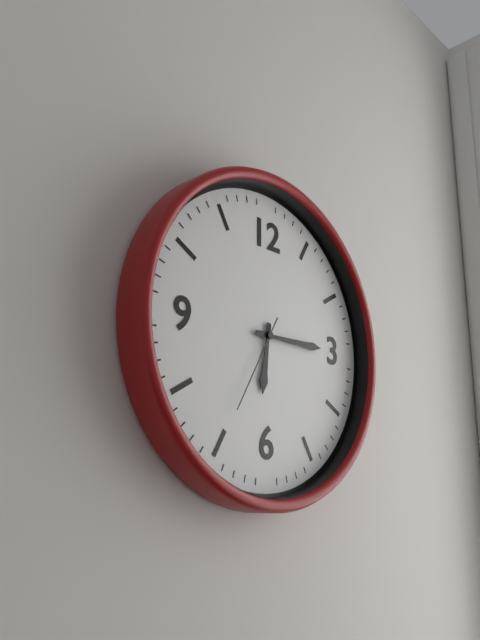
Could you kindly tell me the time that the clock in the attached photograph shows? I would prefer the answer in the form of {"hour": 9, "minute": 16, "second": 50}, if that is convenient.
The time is {"hour": 6, "minute": 15, "second": 35}
